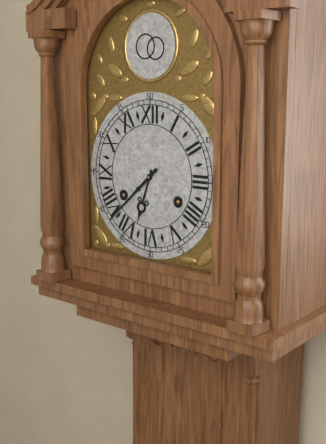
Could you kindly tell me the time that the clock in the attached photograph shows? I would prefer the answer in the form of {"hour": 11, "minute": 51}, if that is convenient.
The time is {"hour": 6, "minute": 38}
